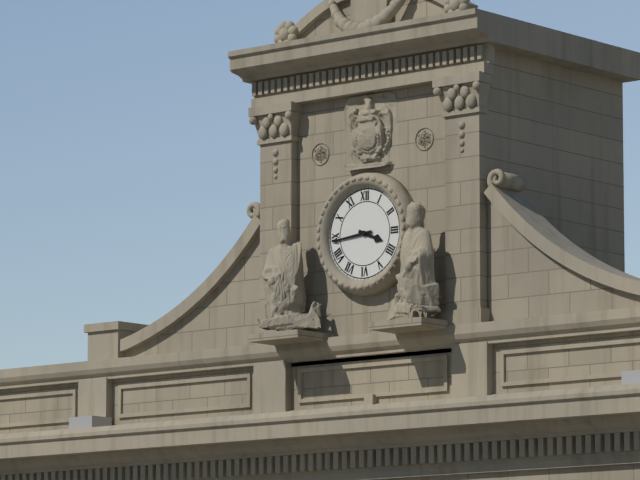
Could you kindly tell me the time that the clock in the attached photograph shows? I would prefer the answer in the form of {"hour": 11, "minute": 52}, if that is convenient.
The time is {"hour": 3, "minute": 44}
